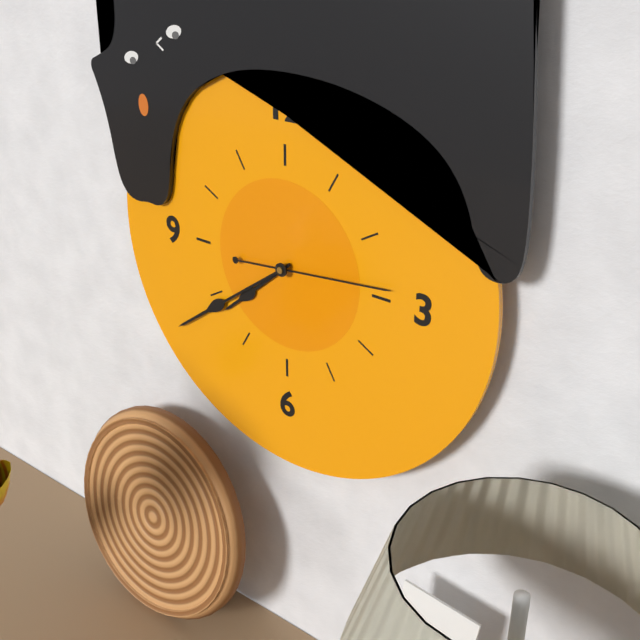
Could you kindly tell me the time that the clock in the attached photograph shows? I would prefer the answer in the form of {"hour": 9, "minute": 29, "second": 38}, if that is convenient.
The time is {"hour": 7, "minute": 39, "second": 14}
